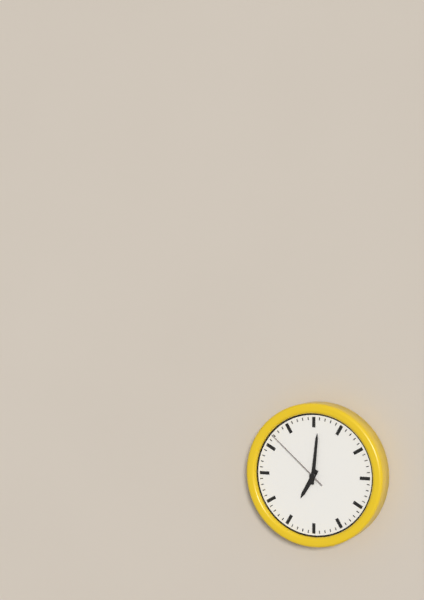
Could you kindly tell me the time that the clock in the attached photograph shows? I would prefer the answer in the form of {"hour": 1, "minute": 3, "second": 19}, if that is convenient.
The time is {"hour": 7, "minute": 1, "second": 52}
